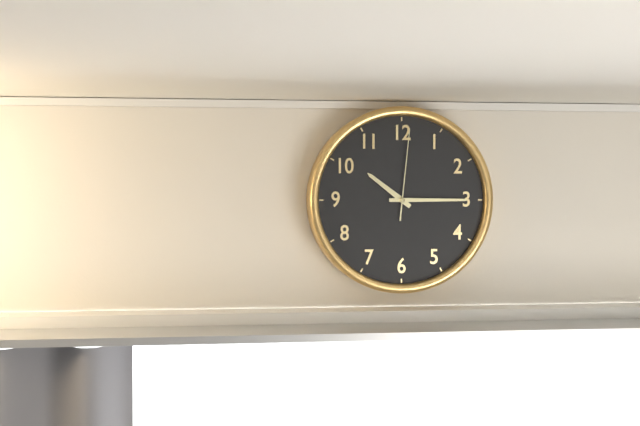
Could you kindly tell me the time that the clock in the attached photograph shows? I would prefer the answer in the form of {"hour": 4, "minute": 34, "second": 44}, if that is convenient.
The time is {"hour": 10, "minute": 15, "second": 1}
